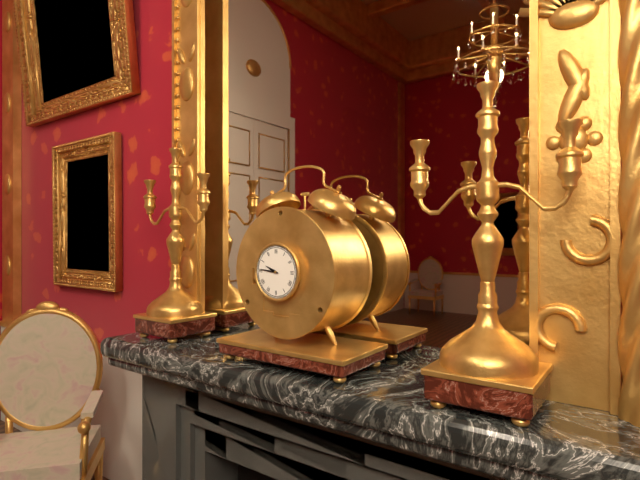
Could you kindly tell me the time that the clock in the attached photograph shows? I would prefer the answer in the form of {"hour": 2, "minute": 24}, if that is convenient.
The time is {"hour": 9, "minute": 46}
